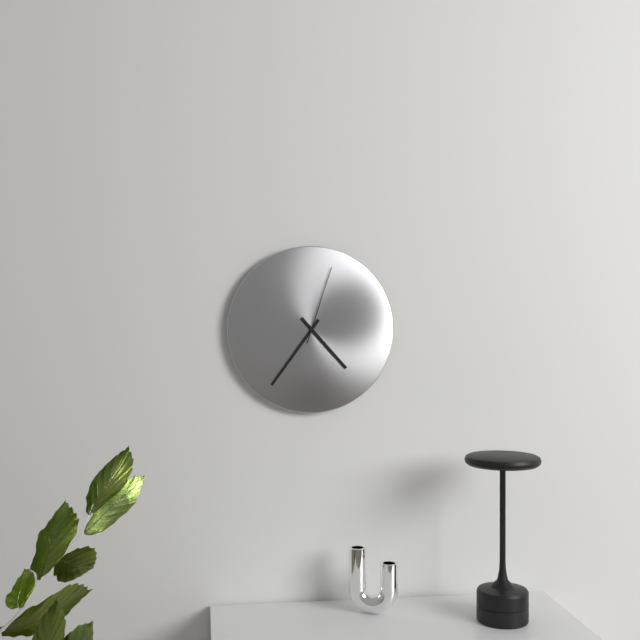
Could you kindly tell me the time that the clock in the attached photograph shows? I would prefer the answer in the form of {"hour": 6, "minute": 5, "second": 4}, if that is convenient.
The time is {"hour": 4, "minute": 36, "second": 3}
